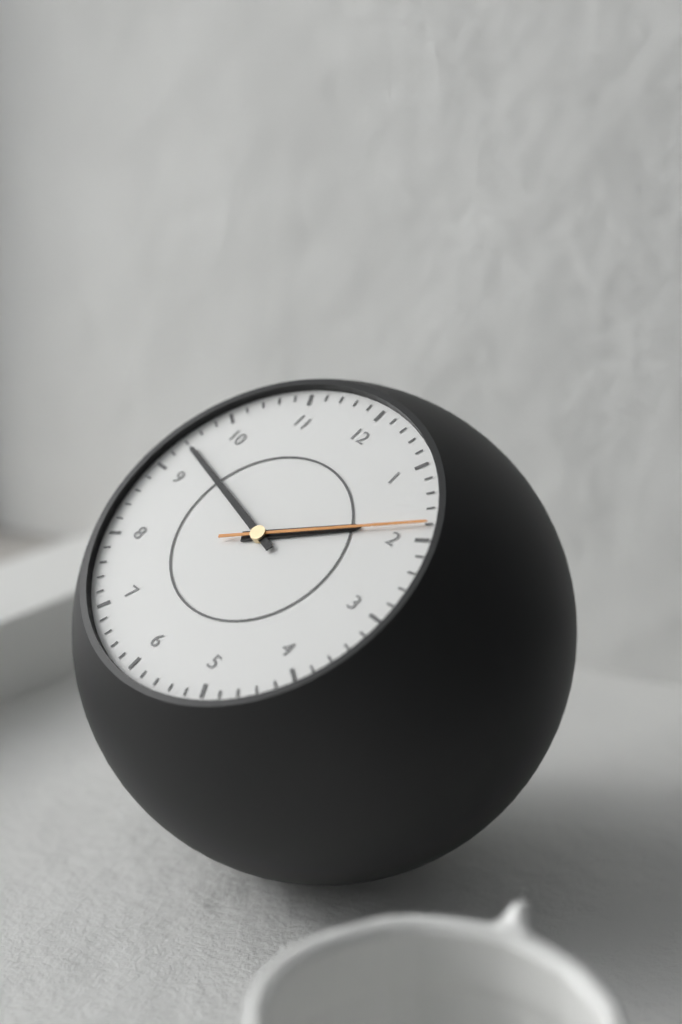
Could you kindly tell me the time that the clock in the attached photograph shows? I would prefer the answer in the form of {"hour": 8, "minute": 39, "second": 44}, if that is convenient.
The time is {"hour": 1, "minute": 47, "second": 9}
